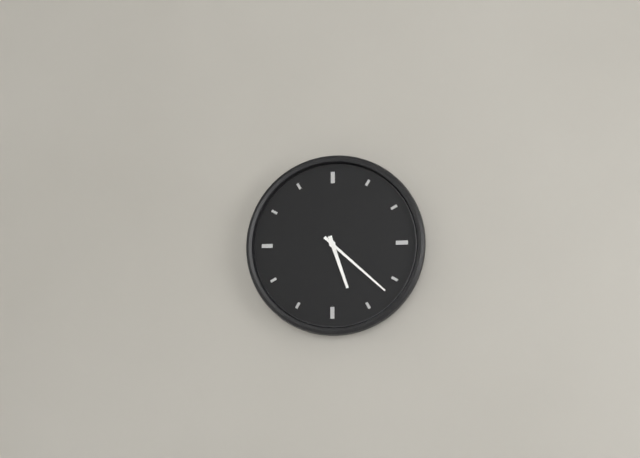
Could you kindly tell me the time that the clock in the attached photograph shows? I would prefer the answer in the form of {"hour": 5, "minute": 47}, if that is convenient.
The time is {"hour": 5, "minute": 22}
